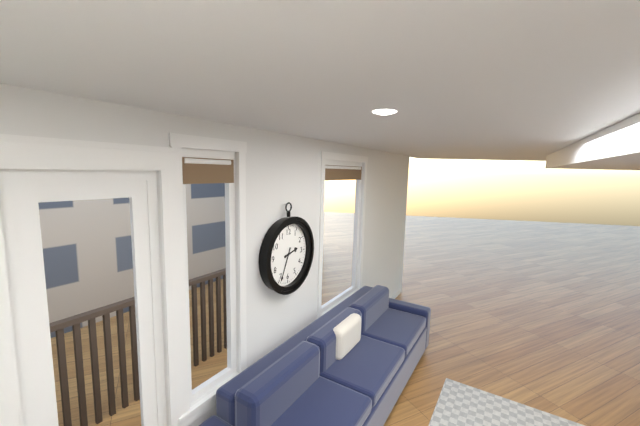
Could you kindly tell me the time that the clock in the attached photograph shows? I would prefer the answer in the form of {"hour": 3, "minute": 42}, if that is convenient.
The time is {"hour": 2, "minute": 34}
